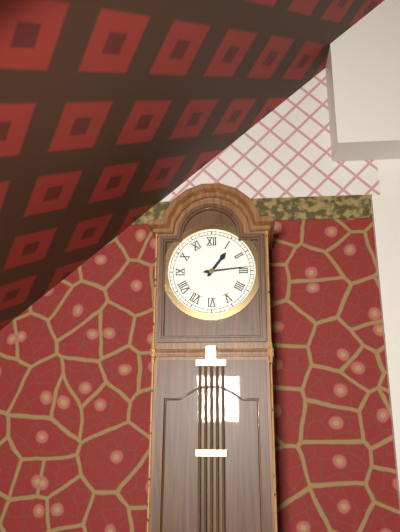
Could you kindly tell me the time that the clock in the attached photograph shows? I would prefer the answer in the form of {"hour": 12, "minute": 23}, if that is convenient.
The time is {"hour": 1, "minute": 14}
